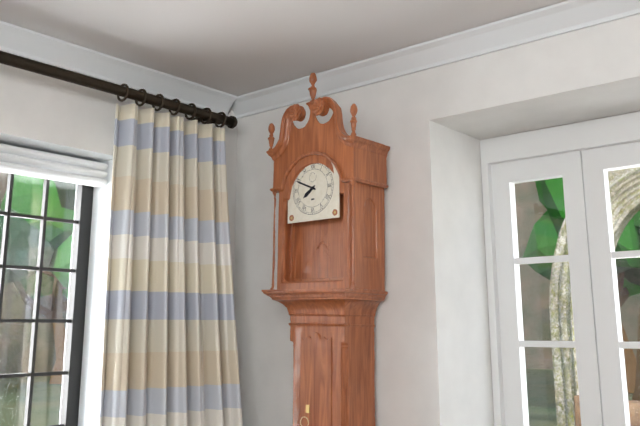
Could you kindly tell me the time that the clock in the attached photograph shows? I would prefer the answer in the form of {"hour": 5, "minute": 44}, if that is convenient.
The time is {"hour": 7, "minute": 49}
